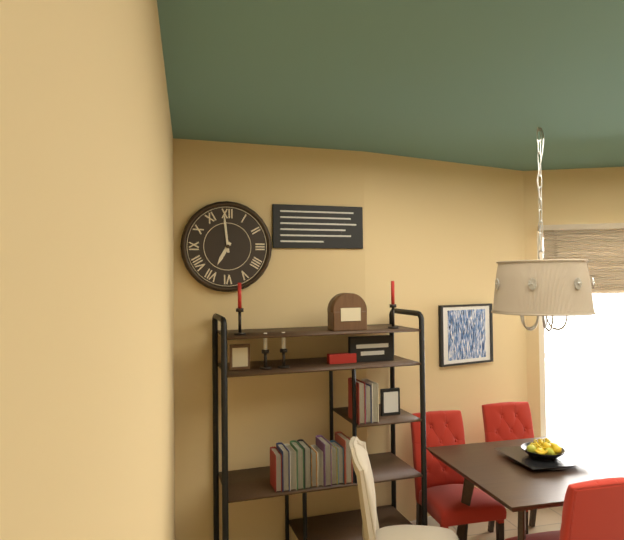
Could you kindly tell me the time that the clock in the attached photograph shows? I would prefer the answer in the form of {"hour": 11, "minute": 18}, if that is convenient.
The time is {"hour": 6, "minute": 59}
